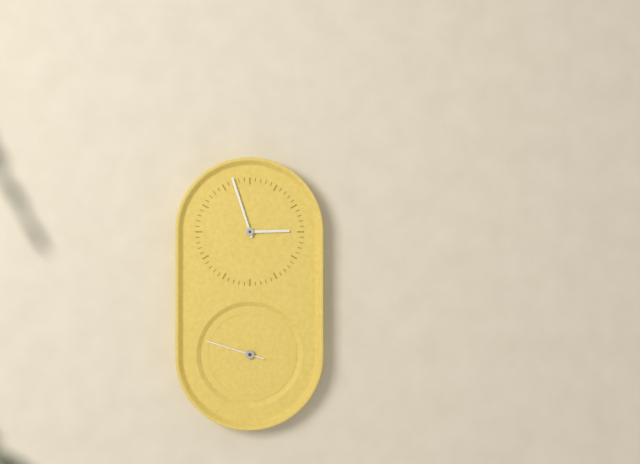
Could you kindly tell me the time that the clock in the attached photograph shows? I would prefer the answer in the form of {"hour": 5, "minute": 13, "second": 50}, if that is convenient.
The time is {"hour": 2, "minute": 57, "second": 48}
